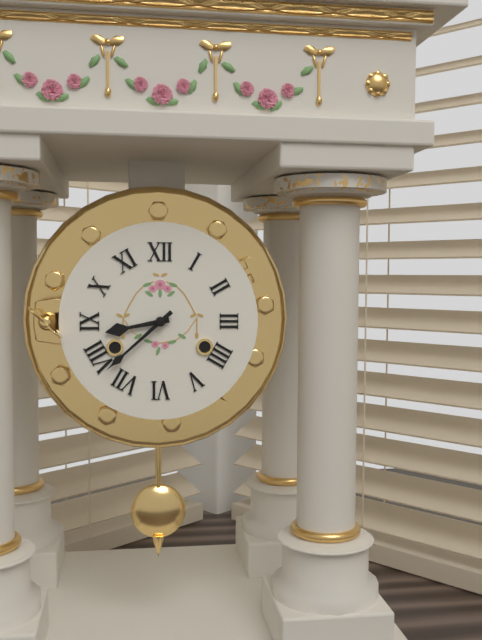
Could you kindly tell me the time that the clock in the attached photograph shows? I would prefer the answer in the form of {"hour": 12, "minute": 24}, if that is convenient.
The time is {"hour": 8, "minute": 38}
